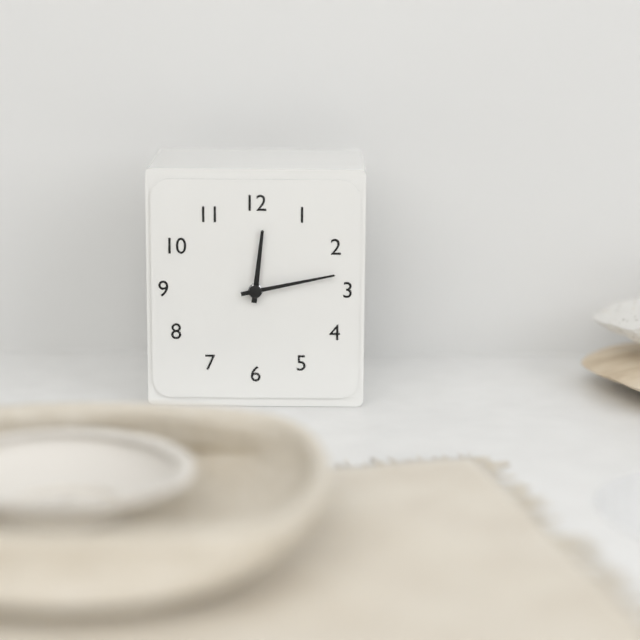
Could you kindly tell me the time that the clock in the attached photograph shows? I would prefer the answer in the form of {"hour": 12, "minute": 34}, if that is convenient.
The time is {"hour": 12, "minute": 13}
